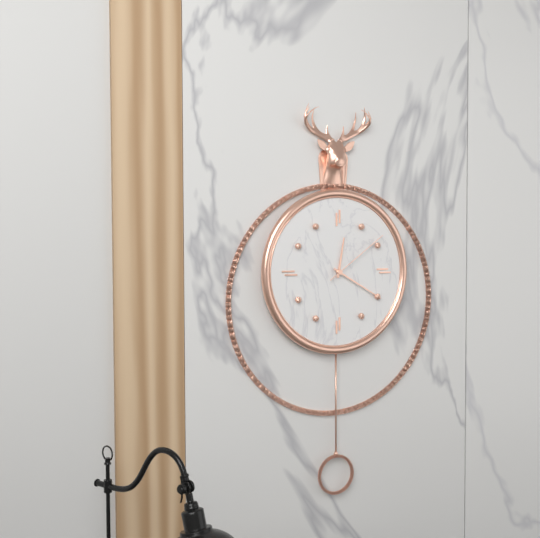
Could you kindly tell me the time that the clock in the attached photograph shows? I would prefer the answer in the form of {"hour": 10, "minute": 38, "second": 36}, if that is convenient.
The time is {"hour": 12, "minute": 20, "second": 9}
